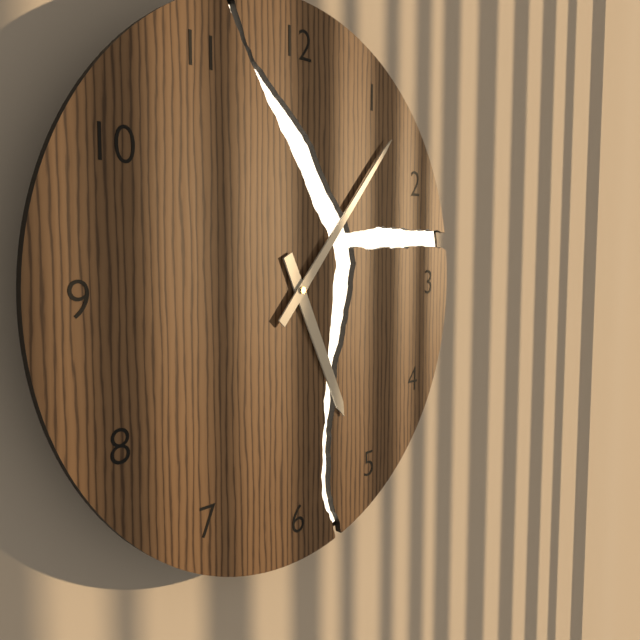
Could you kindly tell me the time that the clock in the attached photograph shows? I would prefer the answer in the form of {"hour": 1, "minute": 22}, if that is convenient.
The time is {"hour": 5, "minute": 7}
